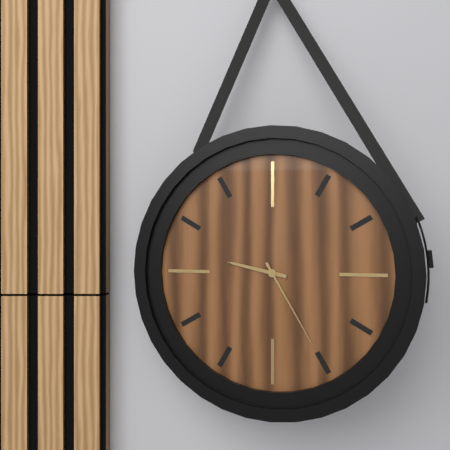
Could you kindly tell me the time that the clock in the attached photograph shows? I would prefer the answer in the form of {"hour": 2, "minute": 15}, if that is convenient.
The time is {"hour": 9, "minute": 25}
